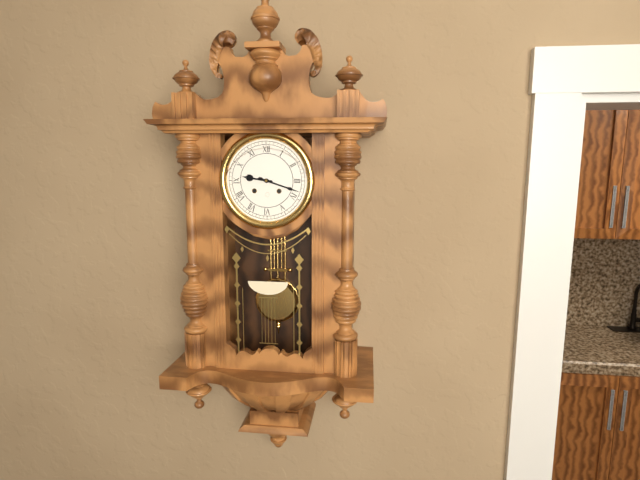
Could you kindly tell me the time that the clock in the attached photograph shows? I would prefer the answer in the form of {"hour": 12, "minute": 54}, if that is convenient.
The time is {"hour": 9, "minute": 18}
